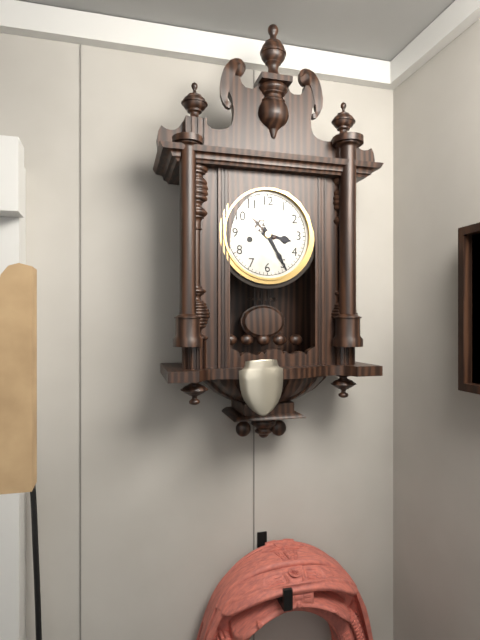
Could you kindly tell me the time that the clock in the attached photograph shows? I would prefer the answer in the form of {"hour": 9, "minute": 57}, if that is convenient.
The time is {"hour": 3, "minute": 25}
